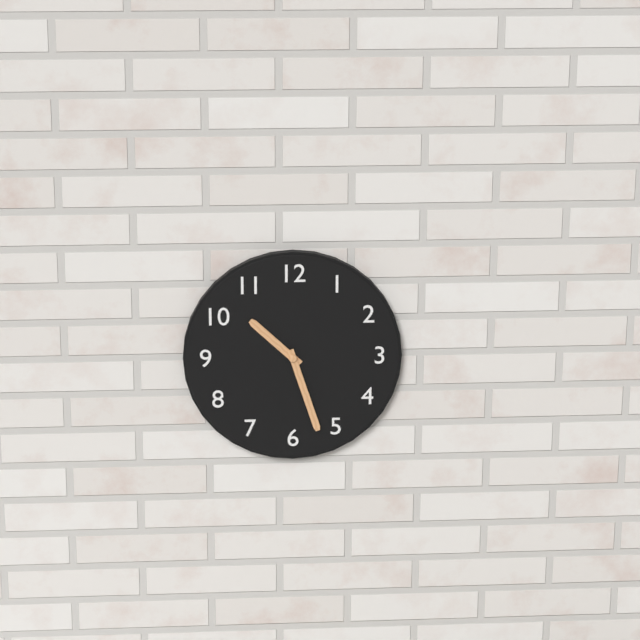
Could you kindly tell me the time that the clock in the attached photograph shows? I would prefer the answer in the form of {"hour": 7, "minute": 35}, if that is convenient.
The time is {"hour": 10, "minute": 27}
